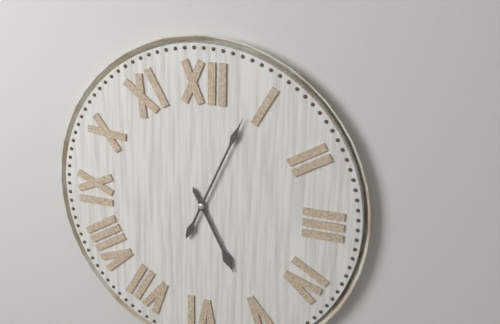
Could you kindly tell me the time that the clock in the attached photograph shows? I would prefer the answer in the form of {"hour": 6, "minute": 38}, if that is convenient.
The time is {"hour": 5, "minute": 4}
